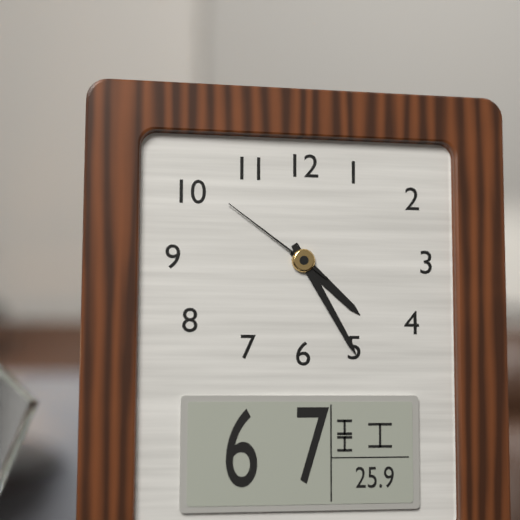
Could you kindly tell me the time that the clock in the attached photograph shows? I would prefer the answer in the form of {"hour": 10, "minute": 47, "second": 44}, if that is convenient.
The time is {"hour": 4, "minute": 25, "second": 51}
